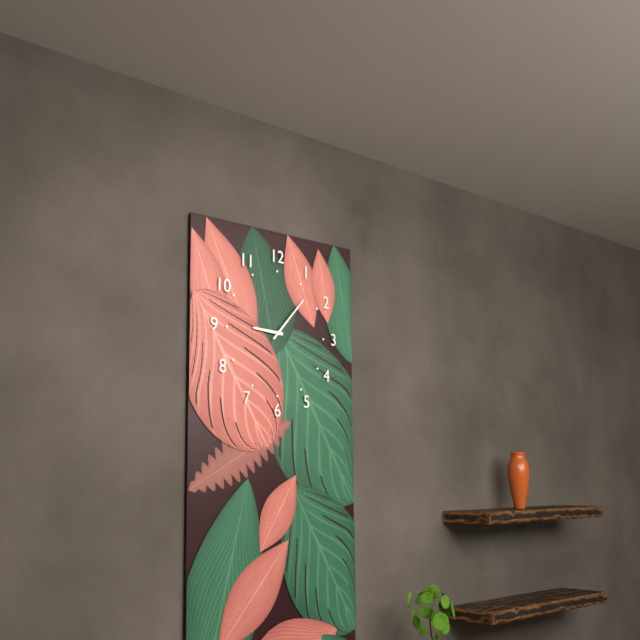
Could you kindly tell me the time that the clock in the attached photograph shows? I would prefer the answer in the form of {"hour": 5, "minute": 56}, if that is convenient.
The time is {"hour": 9, "minute": 7}
